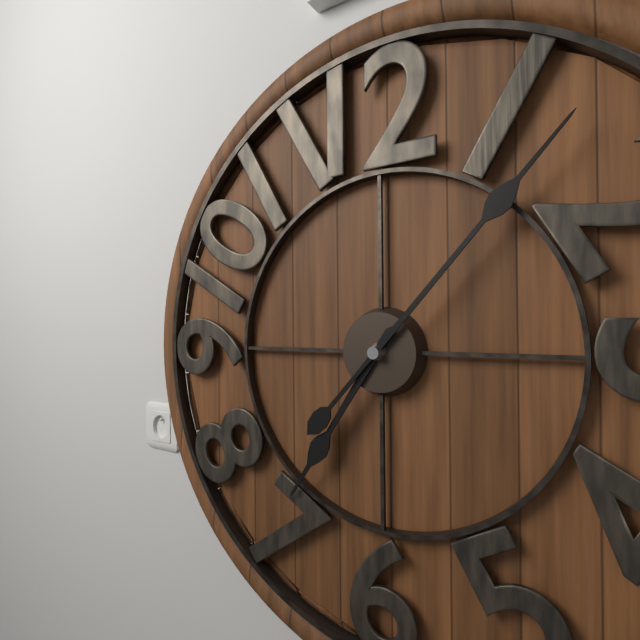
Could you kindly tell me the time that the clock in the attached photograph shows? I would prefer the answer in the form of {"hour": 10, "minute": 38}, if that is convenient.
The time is {"hour": 7, "minute": 7}
